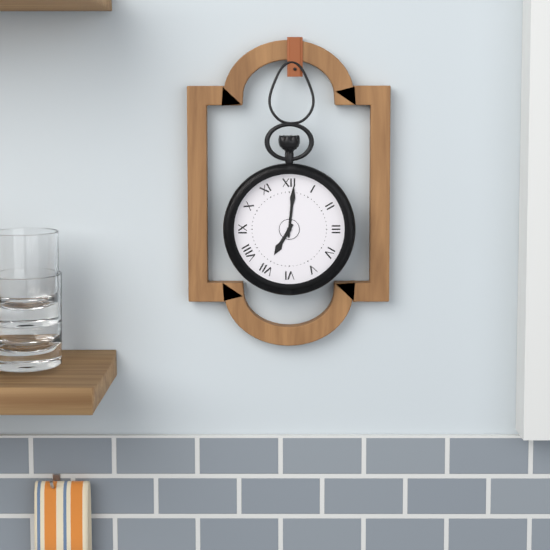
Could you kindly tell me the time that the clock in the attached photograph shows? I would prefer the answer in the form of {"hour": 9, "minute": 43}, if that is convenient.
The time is {"hour": 7, "minute": 1}
